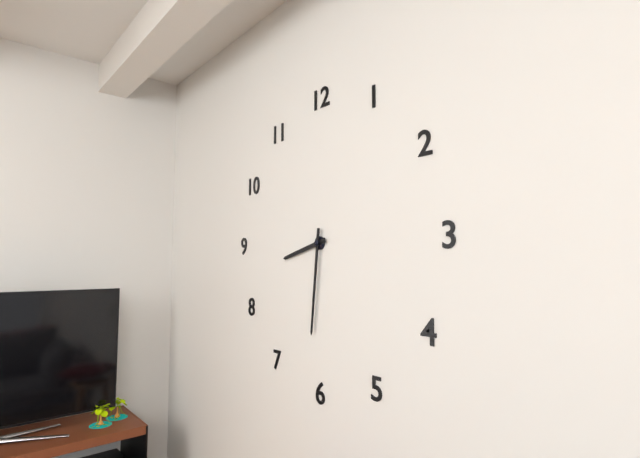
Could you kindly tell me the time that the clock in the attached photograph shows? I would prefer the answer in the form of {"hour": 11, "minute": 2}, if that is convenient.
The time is {"hour": 8, "minute": 31}
